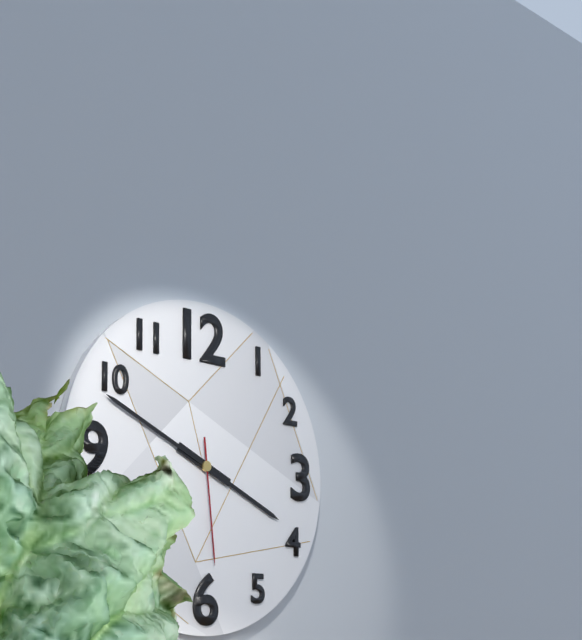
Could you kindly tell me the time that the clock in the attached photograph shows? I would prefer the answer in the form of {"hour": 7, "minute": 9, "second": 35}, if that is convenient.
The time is {"hour": 3, "minute": 49, "second": 29}
